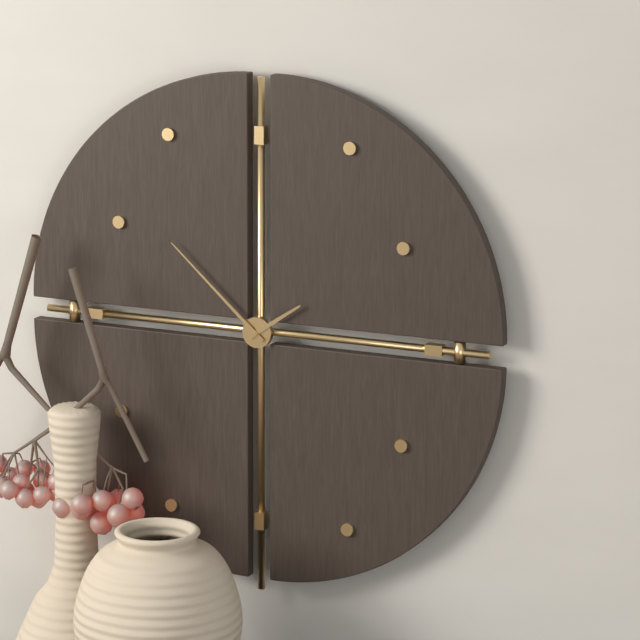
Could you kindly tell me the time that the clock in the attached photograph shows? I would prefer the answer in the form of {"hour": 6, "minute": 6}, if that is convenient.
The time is {"hour": 1, "minute": 52}
